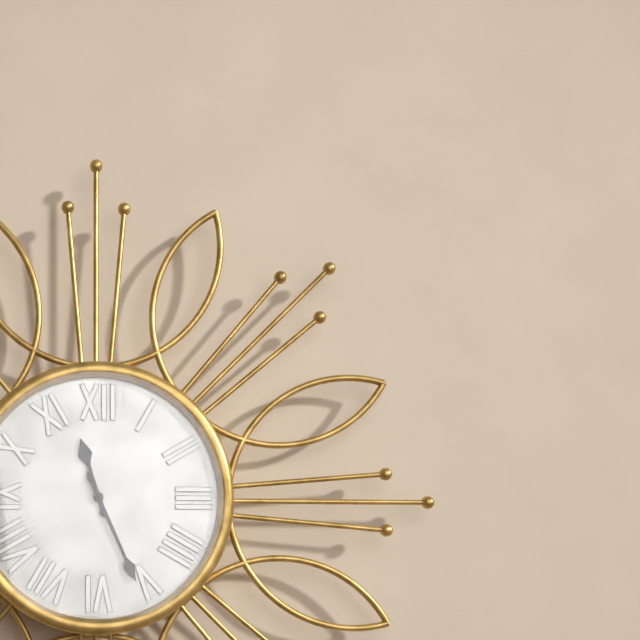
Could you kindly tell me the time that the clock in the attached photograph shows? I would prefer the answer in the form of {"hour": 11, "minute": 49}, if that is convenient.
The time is {"hour": 11, "minute": 26}
